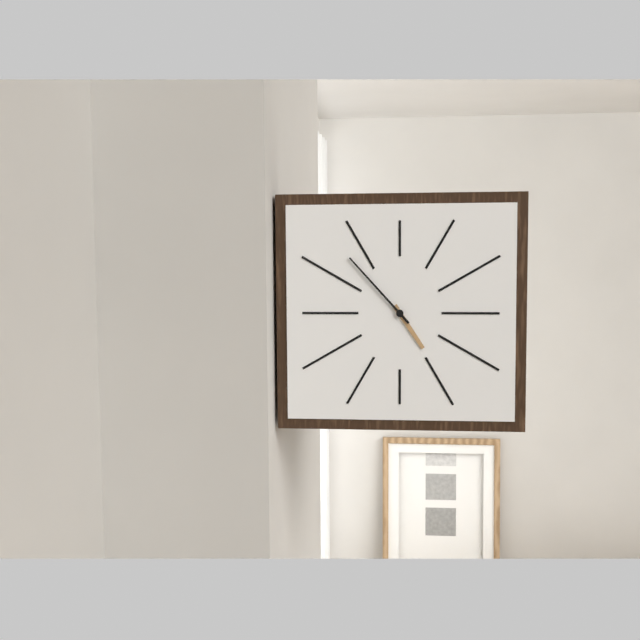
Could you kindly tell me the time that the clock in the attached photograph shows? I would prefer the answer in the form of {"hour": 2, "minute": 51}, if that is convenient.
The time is {"hour": 4, "minute": 53}
